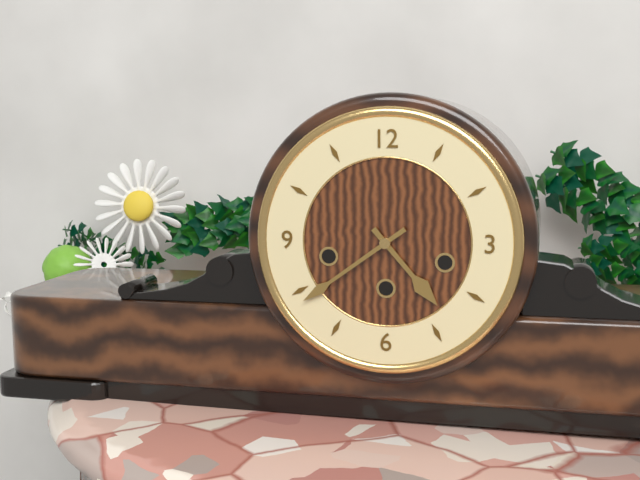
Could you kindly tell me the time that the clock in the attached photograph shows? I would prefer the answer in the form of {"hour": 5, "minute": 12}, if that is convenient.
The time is {"hour": 4, "minute": 39}
